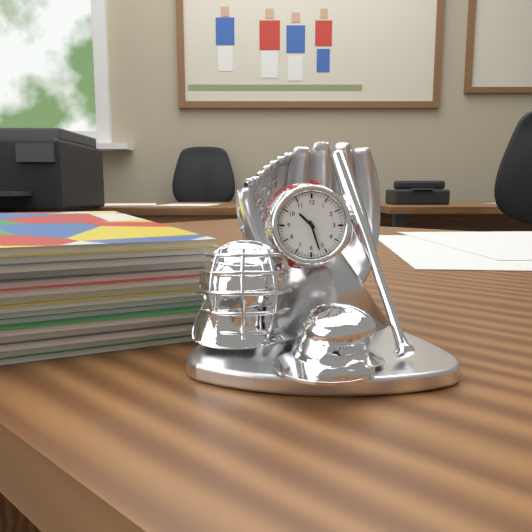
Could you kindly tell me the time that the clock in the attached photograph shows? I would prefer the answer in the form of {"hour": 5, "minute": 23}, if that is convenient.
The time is {"hour": 10, "minute": 27}
